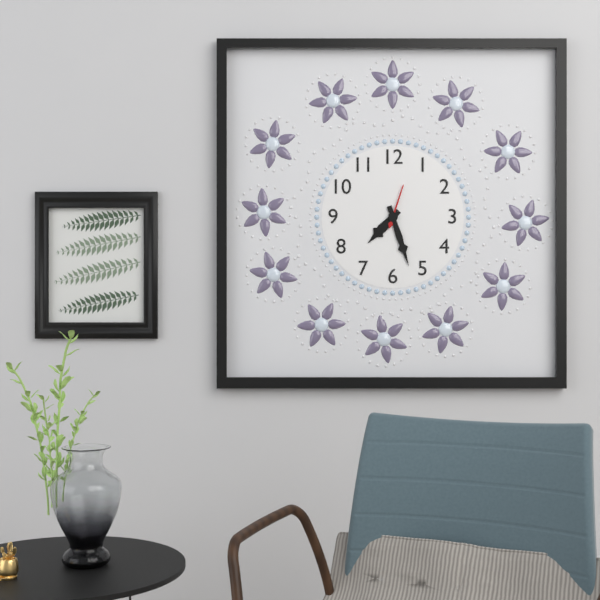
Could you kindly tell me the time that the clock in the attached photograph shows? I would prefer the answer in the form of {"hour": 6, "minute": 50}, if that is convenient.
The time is {"hour": 7, "minute": 27}
